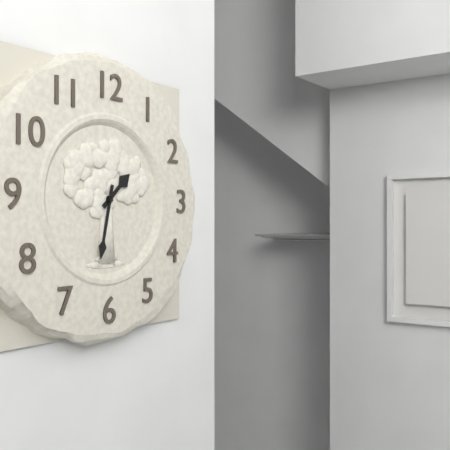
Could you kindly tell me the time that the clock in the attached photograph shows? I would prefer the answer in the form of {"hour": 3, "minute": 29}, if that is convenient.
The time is {"hour": 1, "minute": 32}
